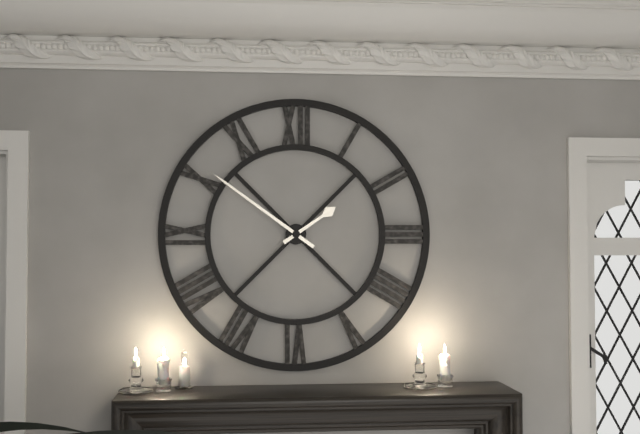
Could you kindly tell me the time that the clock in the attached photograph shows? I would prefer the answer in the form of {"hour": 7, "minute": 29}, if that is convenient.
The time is {"hour": 1, "minute": 51}
